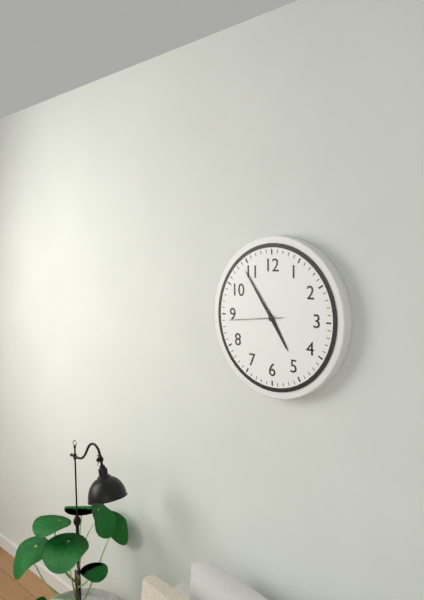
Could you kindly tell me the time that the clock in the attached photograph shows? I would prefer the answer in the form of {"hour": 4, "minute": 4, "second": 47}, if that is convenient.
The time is {"hour": 4, "minute": 54, "second": 44}
